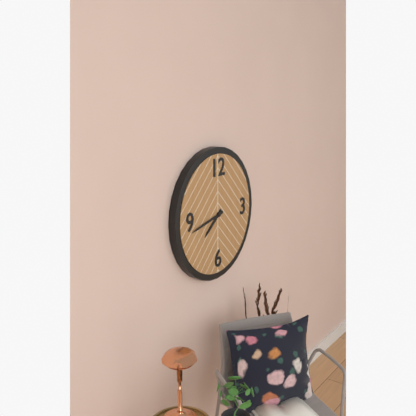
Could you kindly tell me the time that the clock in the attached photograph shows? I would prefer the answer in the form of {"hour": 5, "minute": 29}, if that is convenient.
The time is {"hour": 7, "minute": 43}
